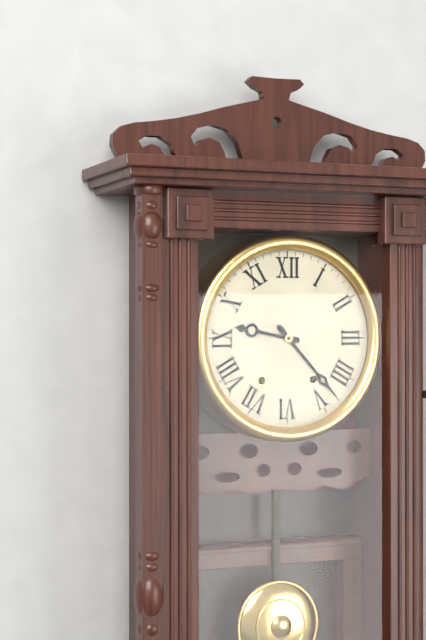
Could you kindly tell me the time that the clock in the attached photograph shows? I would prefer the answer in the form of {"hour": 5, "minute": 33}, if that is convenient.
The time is {"hour": 9, "minute": 23}
